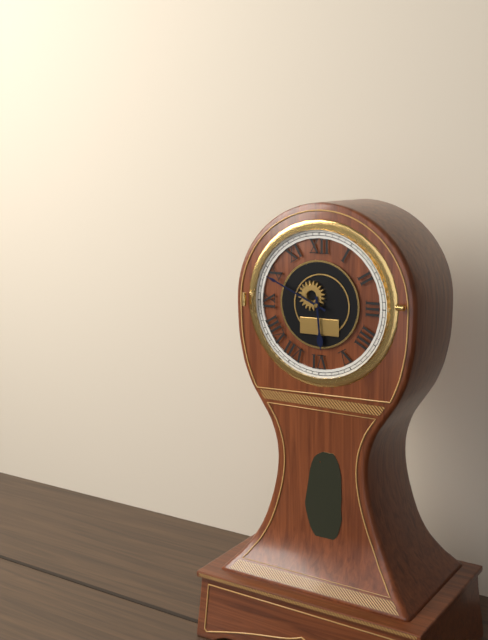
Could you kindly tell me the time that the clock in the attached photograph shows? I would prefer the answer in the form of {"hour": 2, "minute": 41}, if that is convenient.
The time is {"hour": 5, "minute": 49}
